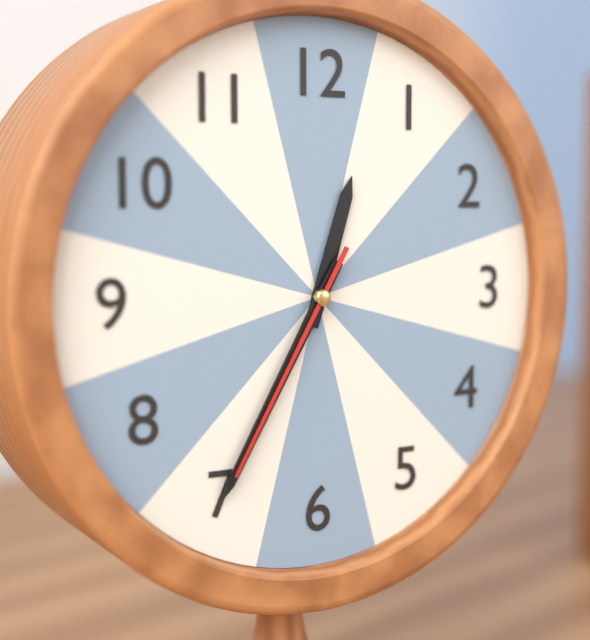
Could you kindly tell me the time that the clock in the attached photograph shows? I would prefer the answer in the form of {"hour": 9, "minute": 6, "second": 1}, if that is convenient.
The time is {"hour": 12, "minute": 35, "second": 35}
